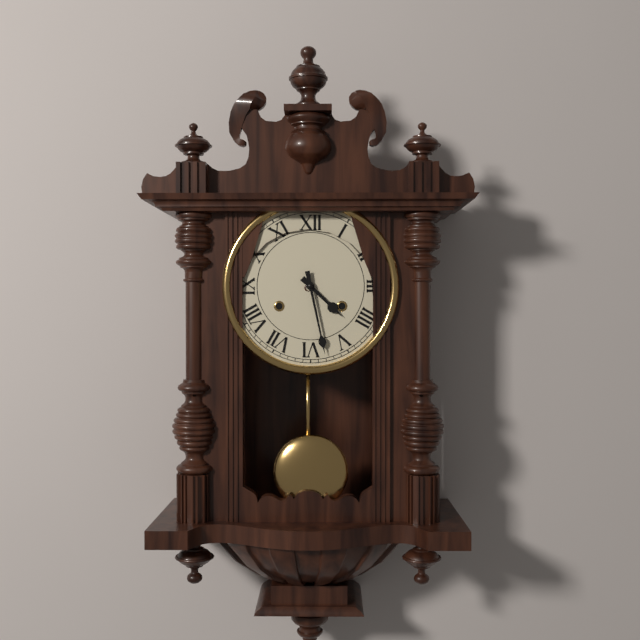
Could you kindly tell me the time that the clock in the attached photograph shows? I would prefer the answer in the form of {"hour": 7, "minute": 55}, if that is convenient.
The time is {"hour": 4, "minute": 28}
